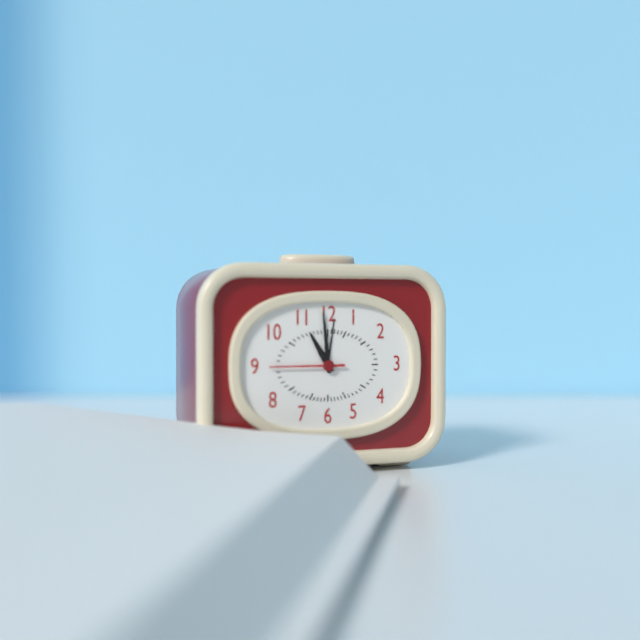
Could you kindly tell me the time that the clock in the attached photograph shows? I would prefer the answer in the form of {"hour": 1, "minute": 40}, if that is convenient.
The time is {"hour": 10, "minute": 59}
